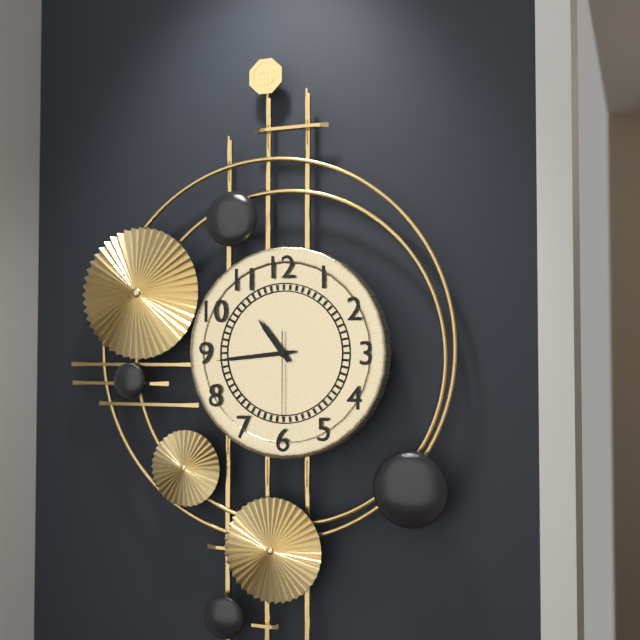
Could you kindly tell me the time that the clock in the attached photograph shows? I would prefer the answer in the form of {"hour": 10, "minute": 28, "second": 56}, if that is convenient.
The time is {"hour": 10, "minute": 44, "second": 30}
